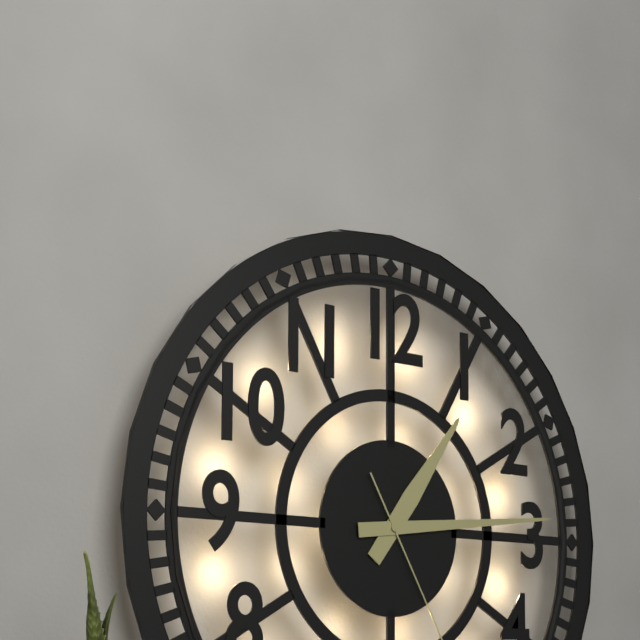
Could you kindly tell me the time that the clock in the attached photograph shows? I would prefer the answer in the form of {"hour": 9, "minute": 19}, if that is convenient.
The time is {"hour": 1, "minute": 14}
